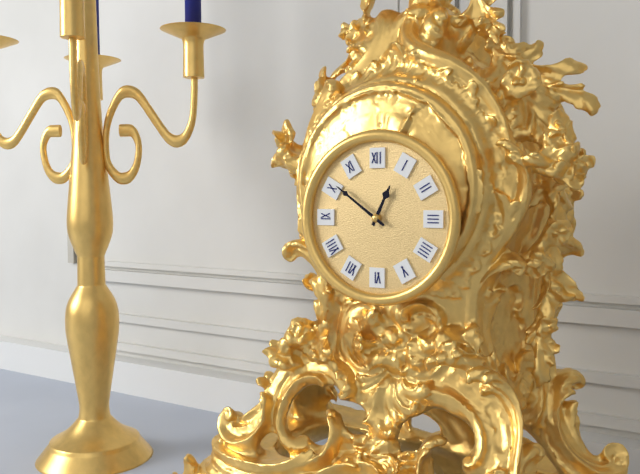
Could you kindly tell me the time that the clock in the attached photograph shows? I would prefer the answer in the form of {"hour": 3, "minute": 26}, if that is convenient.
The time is {"hour": 12, "minute": 51}
